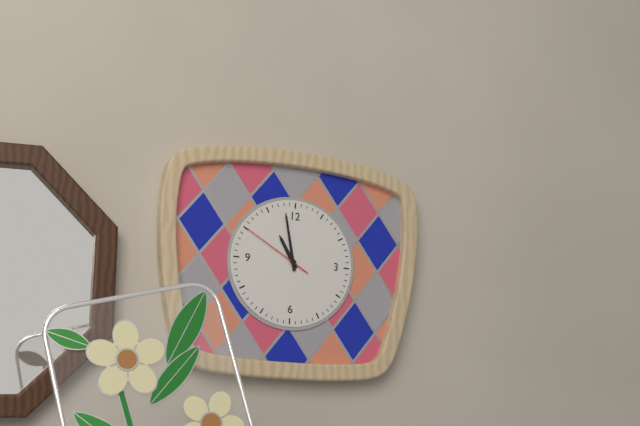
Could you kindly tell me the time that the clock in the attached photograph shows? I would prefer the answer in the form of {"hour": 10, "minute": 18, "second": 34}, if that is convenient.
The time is {"hour": 10, "minute": 58, "second": 50}
